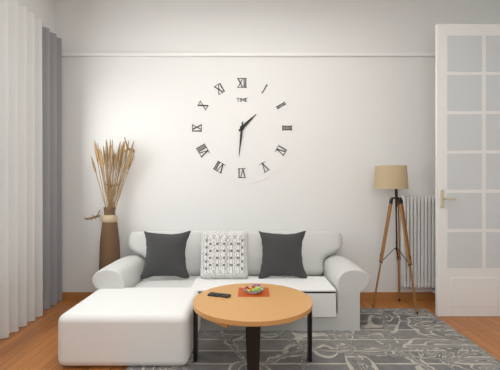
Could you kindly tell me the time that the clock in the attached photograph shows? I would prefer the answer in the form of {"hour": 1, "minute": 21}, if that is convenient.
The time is {"hour": 1, "minute": 31}
